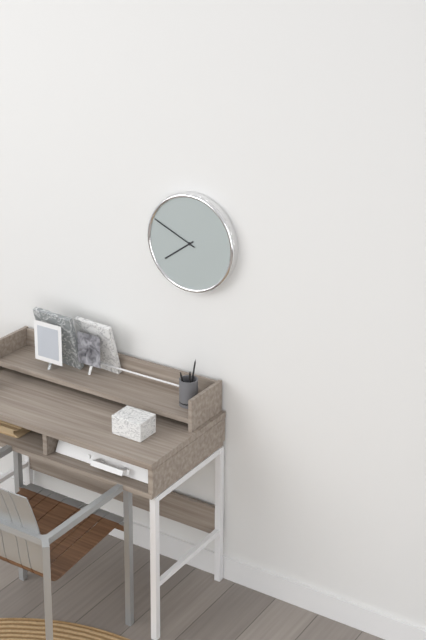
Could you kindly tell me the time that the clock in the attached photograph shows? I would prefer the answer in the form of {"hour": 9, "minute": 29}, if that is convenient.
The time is {"hour": 7, "minute": 49}
